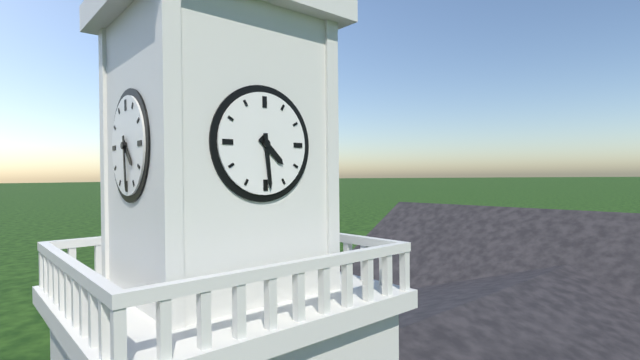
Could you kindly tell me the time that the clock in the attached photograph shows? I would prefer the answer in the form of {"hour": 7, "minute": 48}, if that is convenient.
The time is {"hour": 4, "minute": 29}
